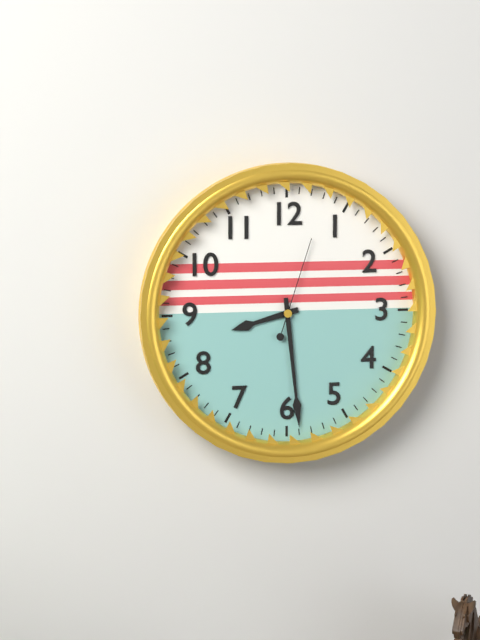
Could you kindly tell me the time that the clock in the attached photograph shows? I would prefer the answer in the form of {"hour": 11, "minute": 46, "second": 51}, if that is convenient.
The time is {"hour": 8, "minute": 29, "second": 3}
